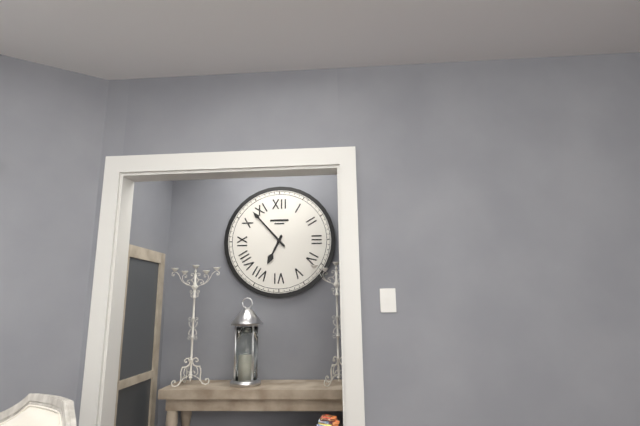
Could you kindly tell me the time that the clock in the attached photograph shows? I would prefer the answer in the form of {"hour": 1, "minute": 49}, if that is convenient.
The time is {"hour": 6, "minute": 53}
